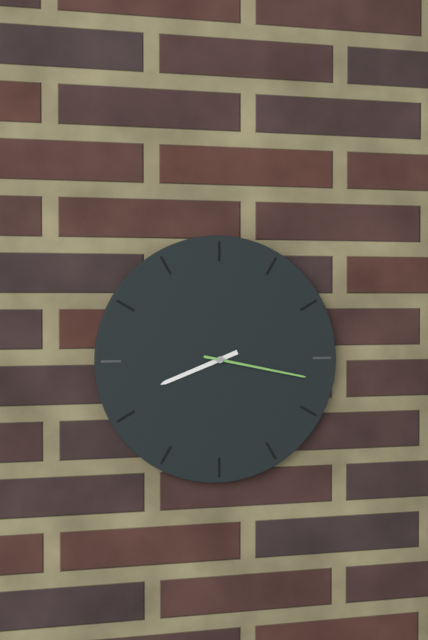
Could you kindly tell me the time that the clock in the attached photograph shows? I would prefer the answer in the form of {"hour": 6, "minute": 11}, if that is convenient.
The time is {"hour": 8, "minute": 17}
